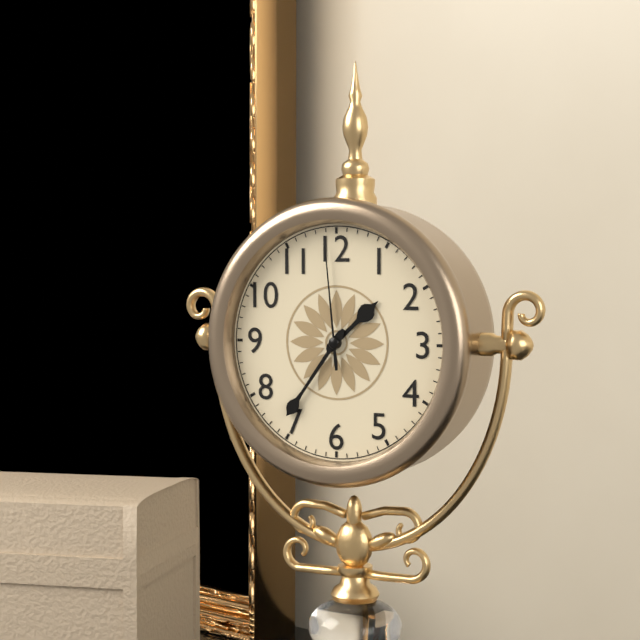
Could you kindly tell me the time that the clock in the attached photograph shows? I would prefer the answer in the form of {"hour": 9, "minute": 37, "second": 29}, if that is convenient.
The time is {"hour": 1, "minute": 36, "second": 59}
